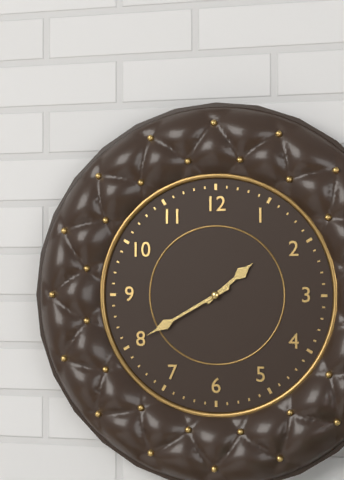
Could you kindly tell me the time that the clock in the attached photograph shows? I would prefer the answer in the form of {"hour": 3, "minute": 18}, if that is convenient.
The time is {"hour": 1, "minute": 40}
